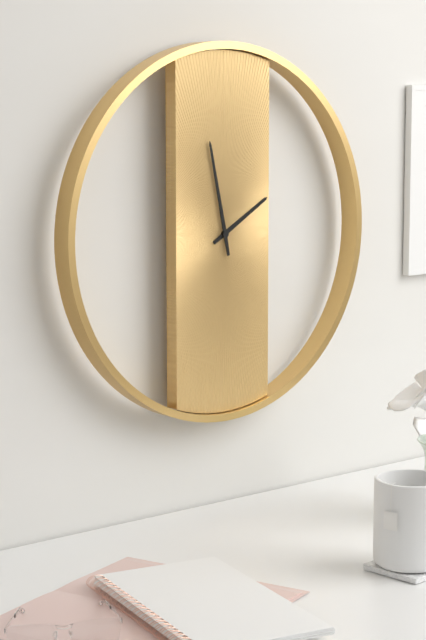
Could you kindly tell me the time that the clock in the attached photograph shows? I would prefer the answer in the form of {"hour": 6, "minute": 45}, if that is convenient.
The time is {"hour": 1, "minute": 58}
